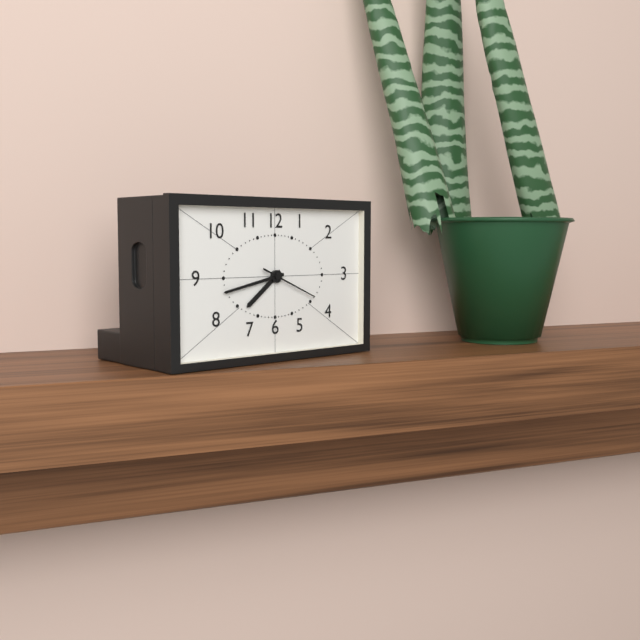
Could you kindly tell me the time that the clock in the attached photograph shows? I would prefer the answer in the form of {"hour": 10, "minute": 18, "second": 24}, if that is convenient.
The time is {"hour": 7, "minute": 43, "second": 19}
